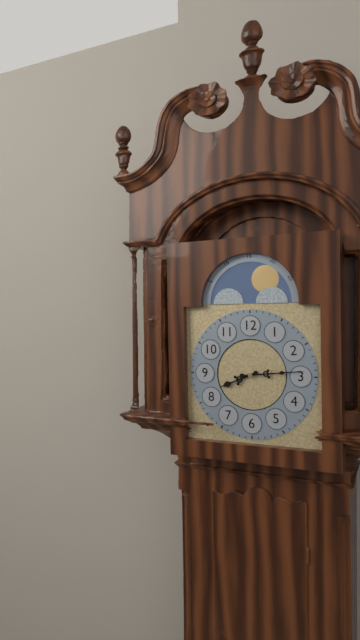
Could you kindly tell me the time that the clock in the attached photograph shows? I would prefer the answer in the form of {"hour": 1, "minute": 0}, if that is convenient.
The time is {"hour": 8, "minute": 14}
